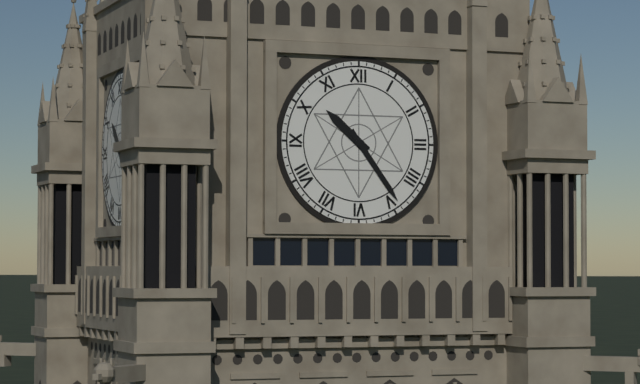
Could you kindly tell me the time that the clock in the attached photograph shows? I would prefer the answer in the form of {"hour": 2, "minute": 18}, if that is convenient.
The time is {"hour": 10, "minute": 24}
